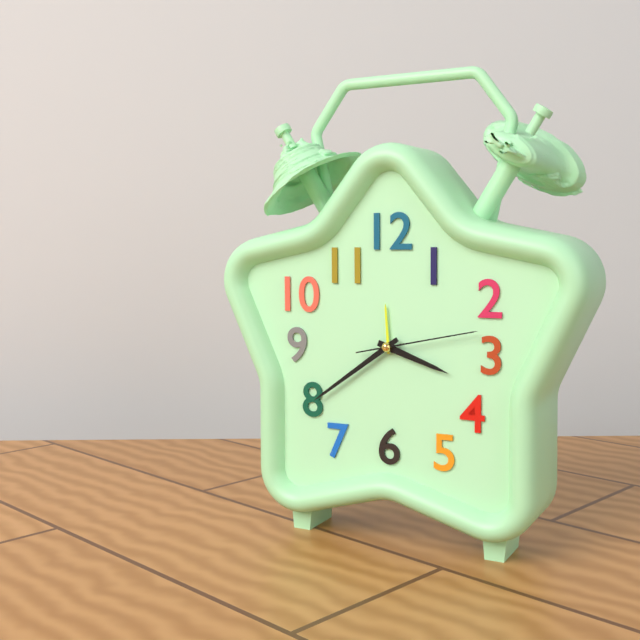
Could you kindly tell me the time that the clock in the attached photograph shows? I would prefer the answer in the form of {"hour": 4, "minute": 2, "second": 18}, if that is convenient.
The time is {"hour": 3, "minute": 39, "second": 13}
